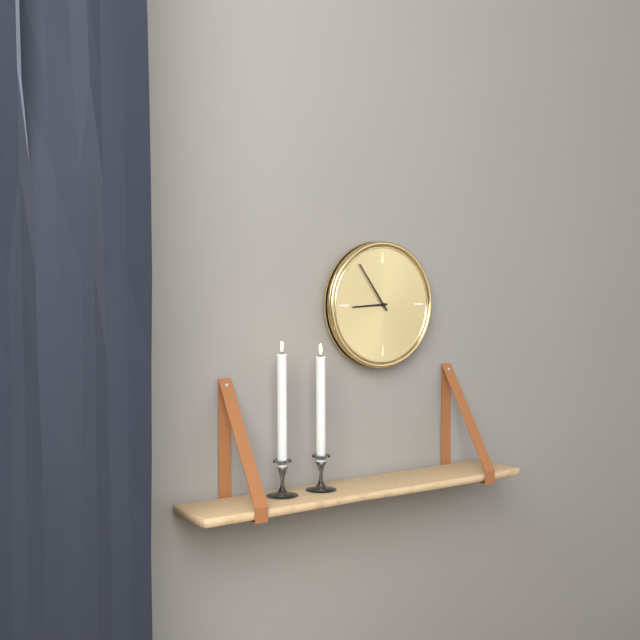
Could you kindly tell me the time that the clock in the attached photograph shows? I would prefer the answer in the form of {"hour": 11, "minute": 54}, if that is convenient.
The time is {"hour": 8, "minute": 54}
